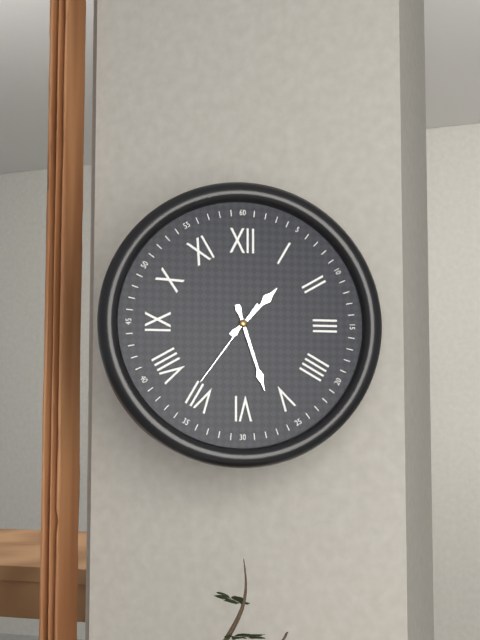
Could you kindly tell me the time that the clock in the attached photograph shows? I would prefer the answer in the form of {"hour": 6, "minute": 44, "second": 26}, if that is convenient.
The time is {"hour": 1, "minute": 27, "second": 36}
